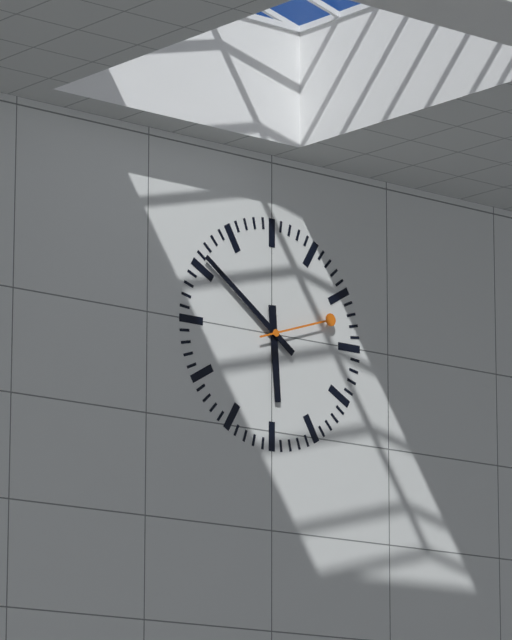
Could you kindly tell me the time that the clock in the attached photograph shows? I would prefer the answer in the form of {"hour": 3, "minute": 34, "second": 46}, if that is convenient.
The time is {"hour": 5, "minute": 51, "second": 12}
